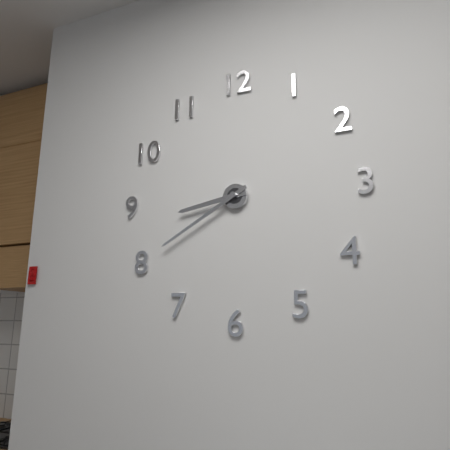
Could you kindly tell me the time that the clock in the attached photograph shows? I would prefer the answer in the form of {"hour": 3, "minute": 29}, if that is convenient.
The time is {"hour": 8, "minute": 40}
